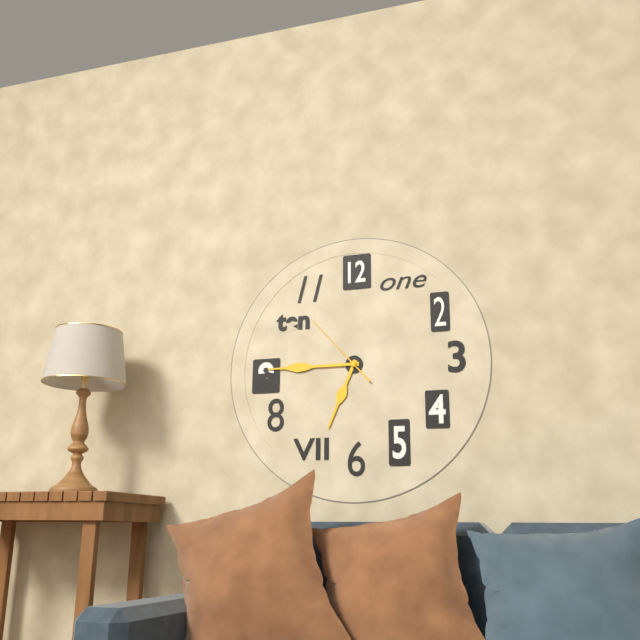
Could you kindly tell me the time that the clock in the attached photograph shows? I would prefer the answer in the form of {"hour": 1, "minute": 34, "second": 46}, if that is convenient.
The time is {"hour": 6, "minute": 45, "second": 53}
